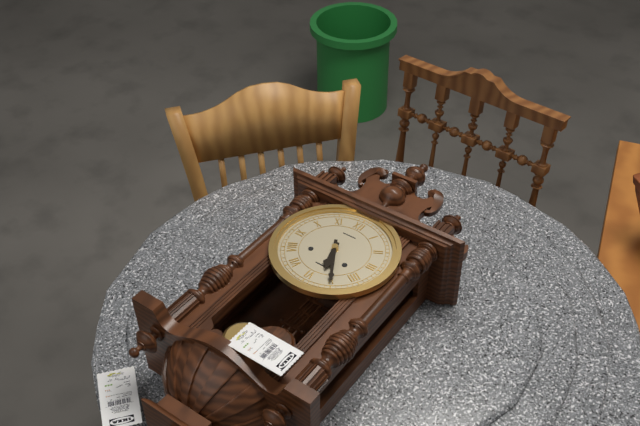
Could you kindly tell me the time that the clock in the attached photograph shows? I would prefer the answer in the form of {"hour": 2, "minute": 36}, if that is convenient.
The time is {"hour": 5, "minute": 25}
